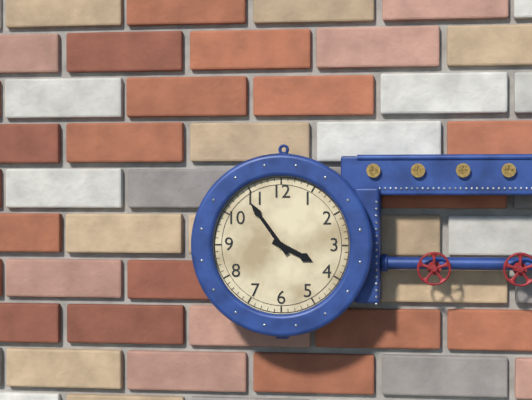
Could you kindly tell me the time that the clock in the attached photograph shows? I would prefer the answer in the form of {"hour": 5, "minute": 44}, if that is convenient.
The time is {"hour": 3, "minute": 54}
